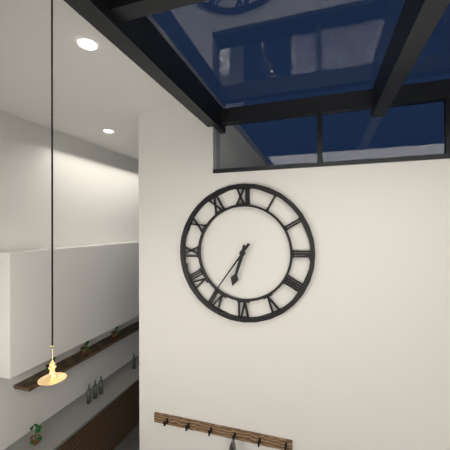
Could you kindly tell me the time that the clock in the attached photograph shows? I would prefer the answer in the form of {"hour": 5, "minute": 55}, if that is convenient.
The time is {"hour": 6, "minute": 36}
